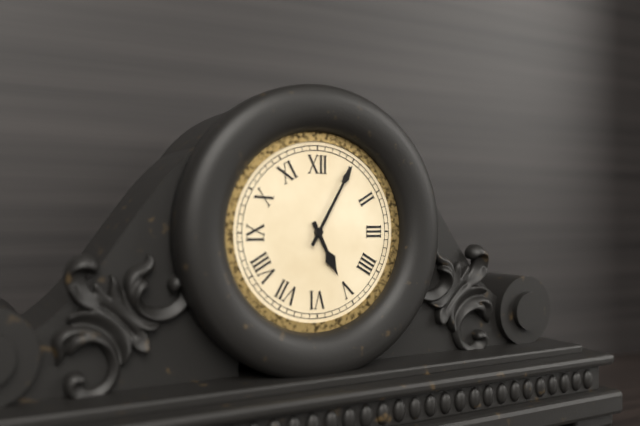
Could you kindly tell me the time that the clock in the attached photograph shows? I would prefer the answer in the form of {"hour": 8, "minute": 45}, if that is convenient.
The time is {"hour": 5, "minute": 5}
